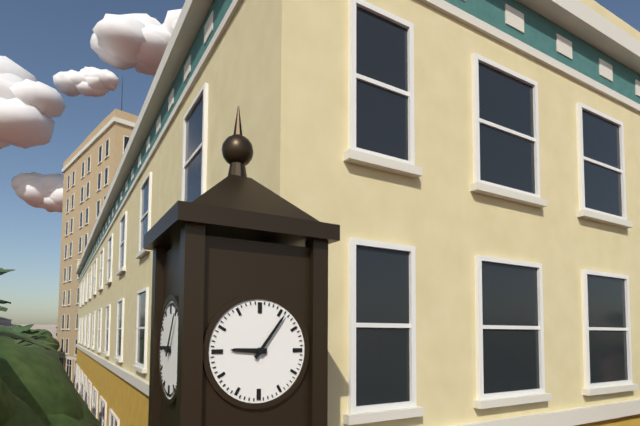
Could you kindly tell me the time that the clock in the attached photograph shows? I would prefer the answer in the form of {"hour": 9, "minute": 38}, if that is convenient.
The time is {"hour": 9, "minute": 6}
